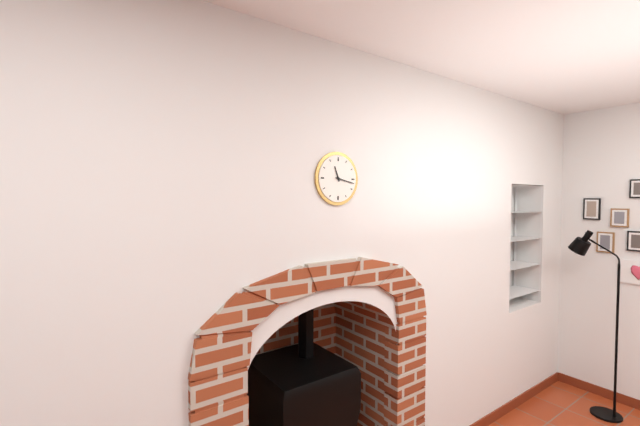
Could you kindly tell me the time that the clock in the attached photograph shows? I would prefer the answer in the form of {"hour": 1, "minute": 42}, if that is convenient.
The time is {"hour": 11, "minute": 17}
